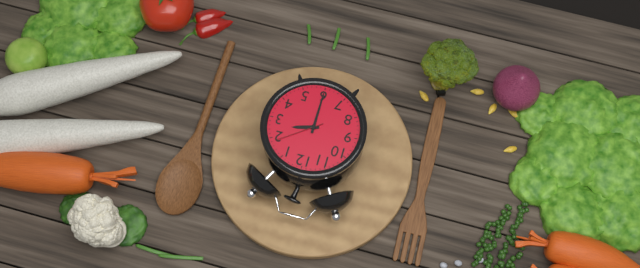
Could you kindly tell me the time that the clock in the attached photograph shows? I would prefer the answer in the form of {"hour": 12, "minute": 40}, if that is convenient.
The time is {"hour": 2, "minute": 30}
